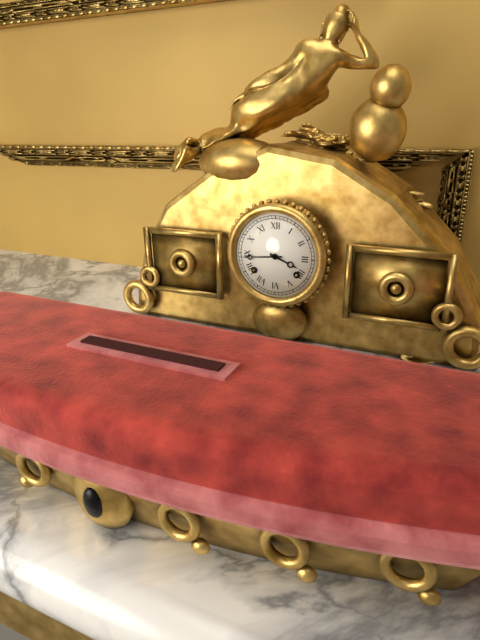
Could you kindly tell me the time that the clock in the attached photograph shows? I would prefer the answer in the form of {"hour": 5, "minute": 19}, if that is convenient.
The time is {"hour": 3, "minute": 44}
